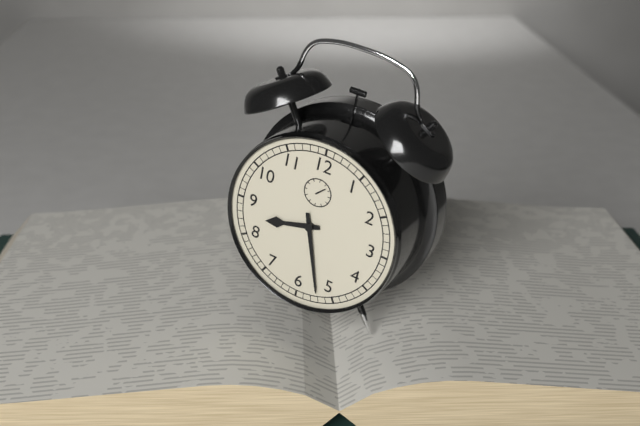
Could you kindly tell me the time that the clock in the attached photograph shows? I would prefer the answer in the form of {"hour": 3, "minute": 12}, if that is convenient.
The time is {"hour": 8, "minute": 27}
